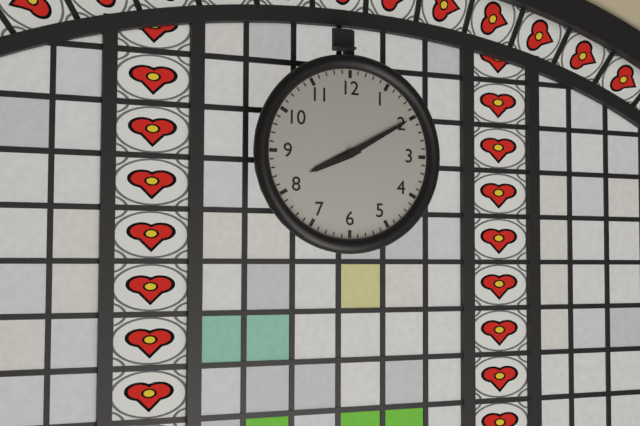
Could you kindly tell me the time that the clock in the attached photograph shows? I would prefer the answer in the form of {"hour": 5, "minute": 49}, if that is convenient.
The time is {"hour": 8, "minute": 10}
